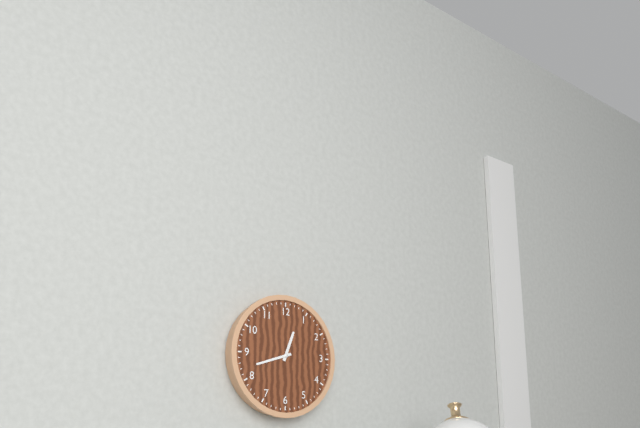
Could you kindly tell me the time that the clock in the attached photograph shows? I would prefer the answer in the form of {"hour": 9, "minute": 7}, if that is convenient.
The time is {"hour": 12, "minute": 42}
